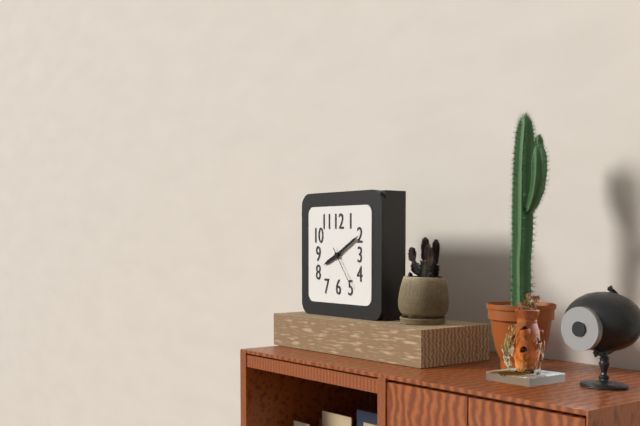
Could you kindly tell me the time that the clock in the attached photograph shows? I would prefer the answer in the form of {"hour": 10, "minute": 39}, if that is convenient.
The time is {"hour": 8, "minute": 10}
